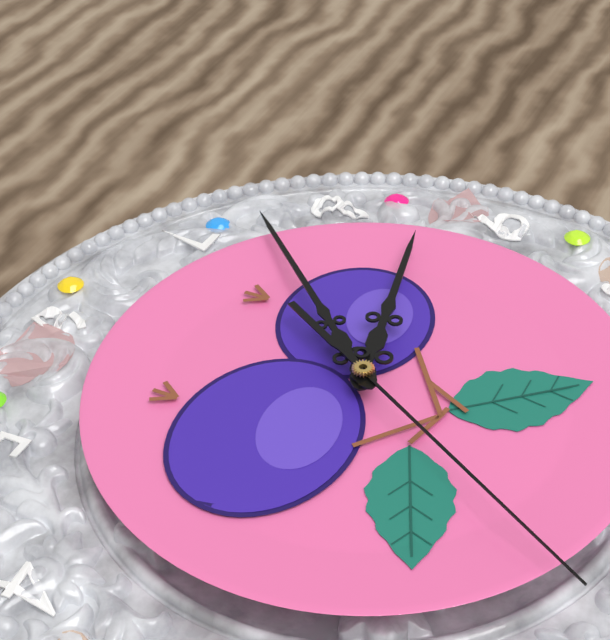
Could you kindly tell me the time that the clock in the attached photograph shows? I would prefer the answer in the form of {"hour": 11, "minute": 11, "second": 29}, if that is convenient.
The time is {"hour": 8, "minute": 37, "second": 5}
